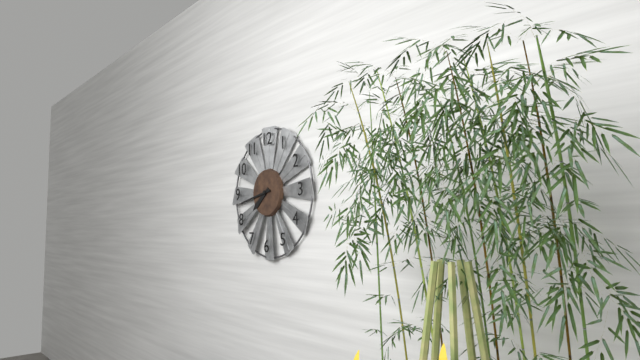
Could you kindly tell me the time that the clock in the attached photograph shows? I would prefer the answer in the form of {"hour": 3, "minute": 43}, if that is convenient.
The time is {"hour": 7, "minute": 43}
